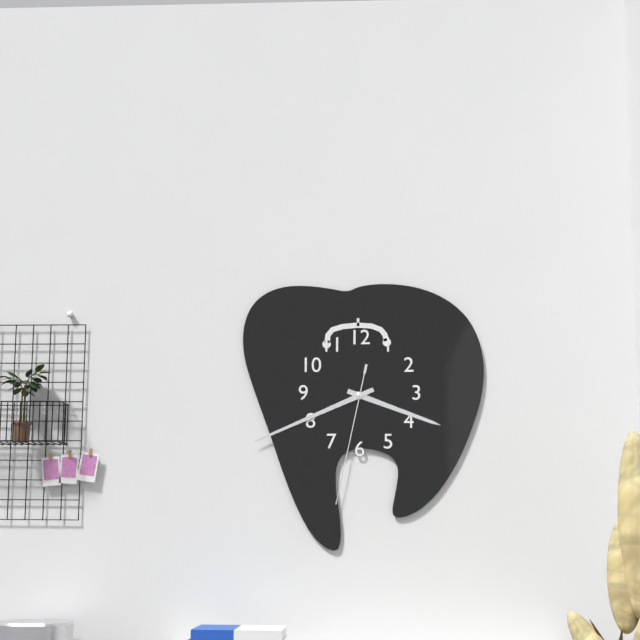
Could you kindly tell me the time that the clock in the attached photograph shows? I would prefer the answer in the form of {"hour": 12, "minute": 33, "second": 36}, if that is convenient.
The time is {"hour": 3, "minute": 41, "second": 32}
